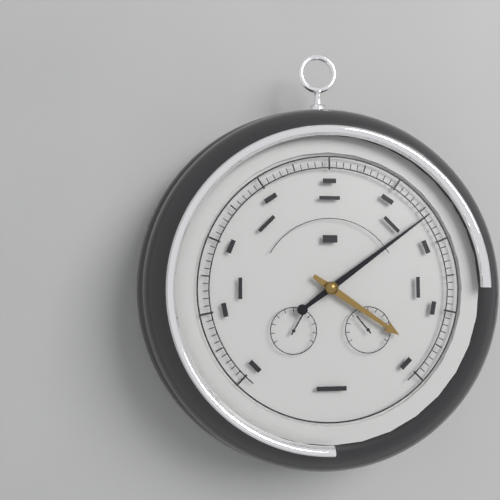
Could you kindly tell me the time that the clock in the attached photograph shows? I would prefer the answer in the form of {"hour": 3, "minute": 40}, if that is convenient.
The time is {"hour": 4, "minute": 9}
